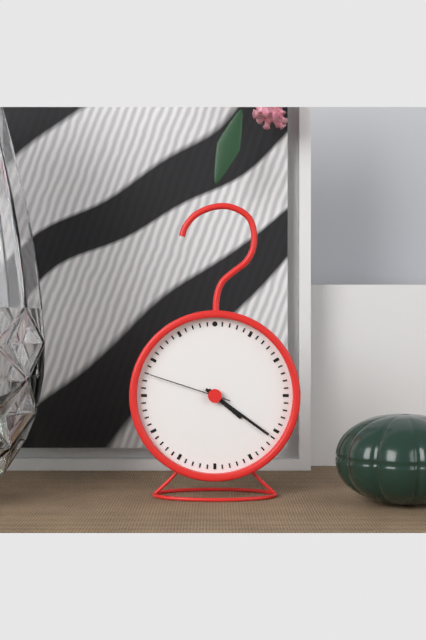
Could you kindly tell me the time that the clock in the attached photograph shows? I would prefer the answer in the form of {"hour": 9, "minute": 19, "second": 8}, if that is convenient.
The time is {"hour": 4, "minute": 21, "second": 48}
